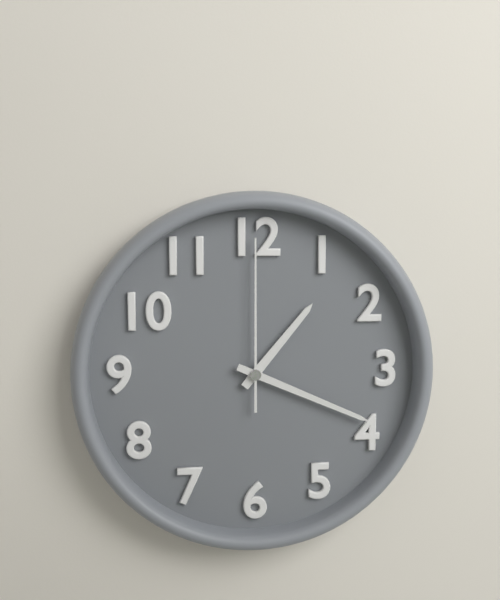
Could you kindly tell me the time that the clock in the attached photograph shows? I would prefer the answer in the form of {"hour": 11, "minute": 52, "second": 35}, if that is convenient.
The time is {"hour": 1, "minute": 19, "second": 0}
